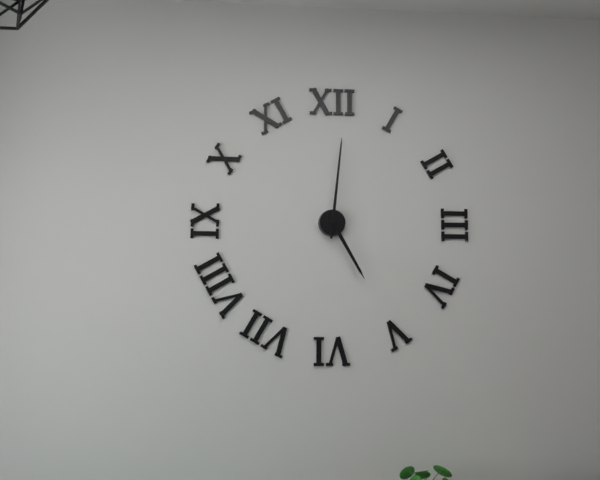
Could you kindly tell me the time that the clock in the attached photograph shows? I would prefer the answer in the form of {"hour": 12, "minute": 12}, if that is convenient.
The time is {"hour": 5, "minute": 1}
